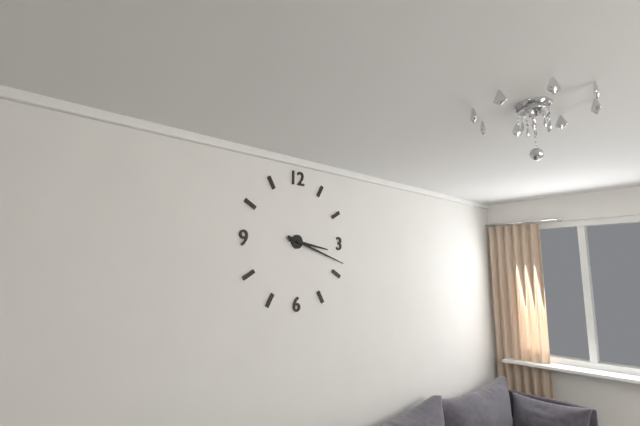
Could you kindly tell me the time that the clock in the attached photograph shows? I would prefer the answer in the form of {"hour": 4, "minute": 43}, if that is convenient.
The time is {"hour": 3, "minute": 18}
